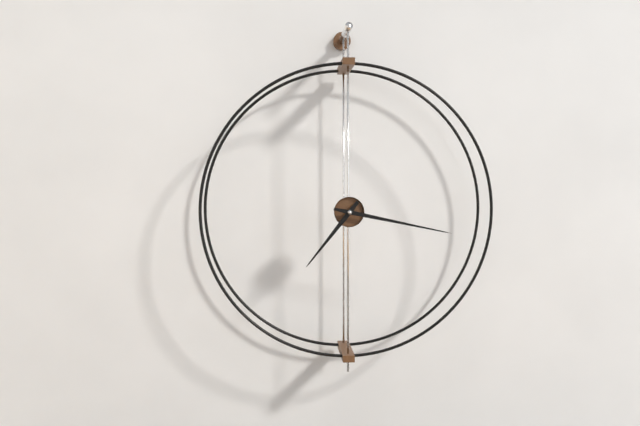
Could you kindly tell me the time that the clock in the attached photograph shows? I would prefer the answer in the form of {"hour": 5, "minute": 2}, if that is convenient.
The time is {"hour": 7, "minute": 17}
